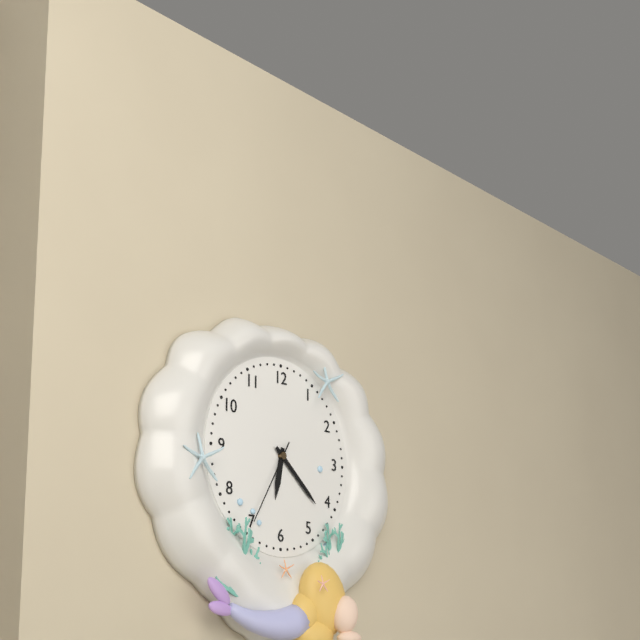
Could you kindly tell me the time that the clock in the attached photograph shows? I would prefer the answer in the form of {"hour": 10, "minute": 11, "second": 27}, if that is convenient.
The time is {"hour": 6, "minute": 22, "second": 35}
